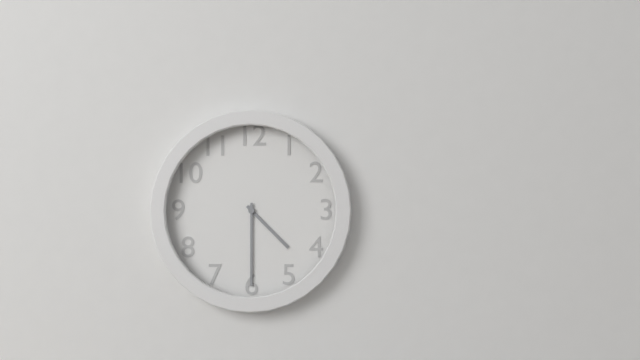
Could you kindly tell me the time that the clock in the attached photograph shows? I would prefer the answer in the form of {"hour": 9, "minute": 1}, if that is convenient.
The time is {"hour": 4, "minute": 30}
